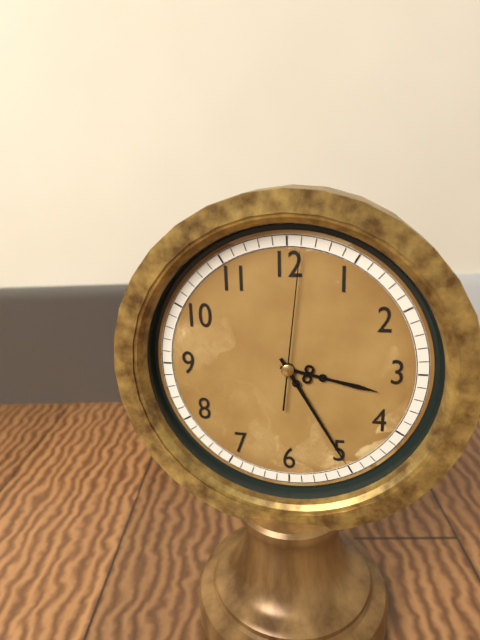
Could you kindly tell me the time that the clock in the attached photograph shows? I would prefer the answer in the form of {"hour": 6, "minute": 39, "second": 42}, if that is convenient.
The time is {"hour": 3, "minute": 25, "second": 1}
